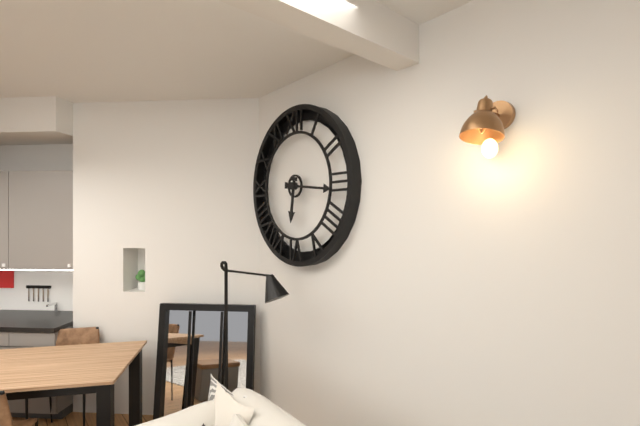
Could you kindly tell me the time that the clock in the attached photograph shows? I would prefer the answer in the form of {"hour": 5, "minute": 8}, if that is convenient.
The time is {"hour": 6, "minute": 16}
